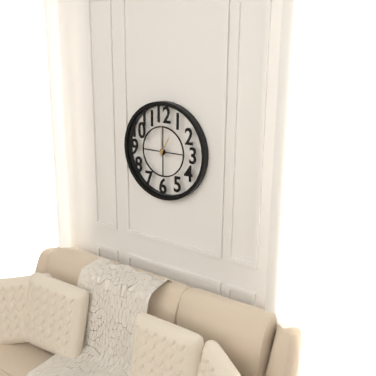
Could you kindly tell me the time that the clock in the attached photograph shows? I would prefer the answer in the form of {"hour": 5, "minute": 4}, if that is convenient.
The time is {"hour": 1, "minute": 0}
